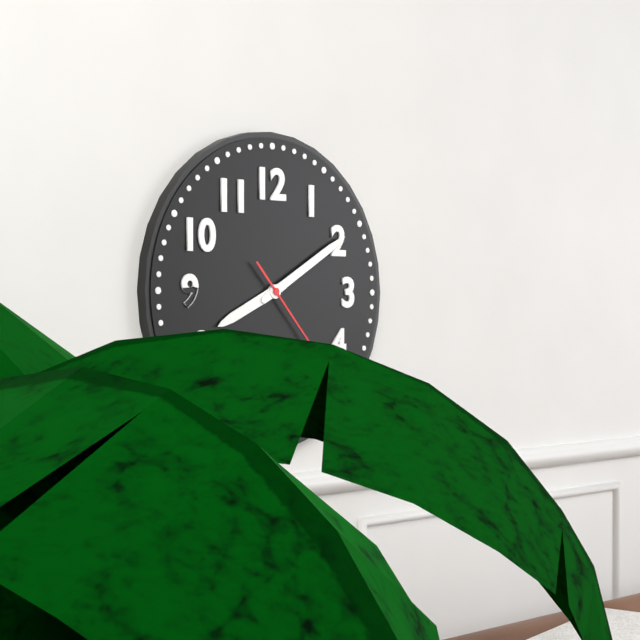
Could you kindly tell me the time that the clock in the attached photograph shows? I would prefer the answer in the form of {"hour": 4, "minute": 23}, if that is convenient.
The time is {"hour": 8, "minute": 10}
